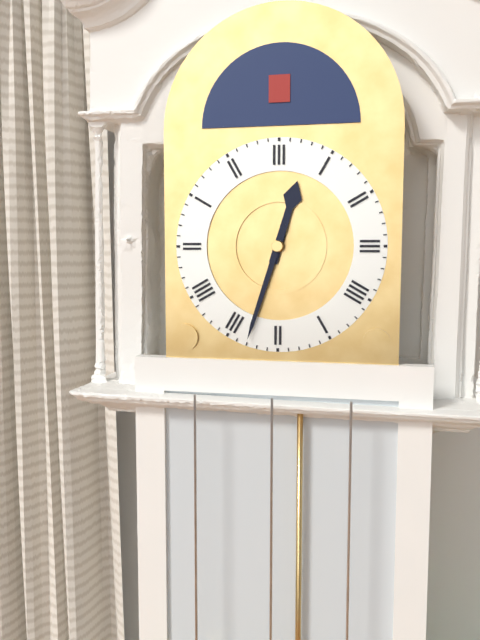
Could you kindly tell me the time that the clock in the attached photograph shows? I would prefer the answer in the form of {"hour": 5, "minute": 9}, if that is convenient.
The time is {"hour": 12, "minute": 33}
